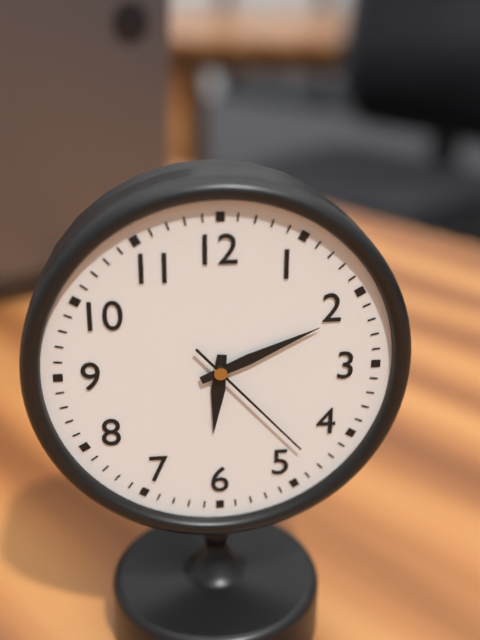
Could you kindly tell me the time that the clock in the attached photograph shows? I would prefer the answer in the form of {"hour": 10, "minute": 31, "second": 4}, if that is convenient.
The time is {"hour": 6, "minute": 11, "second": 23}
